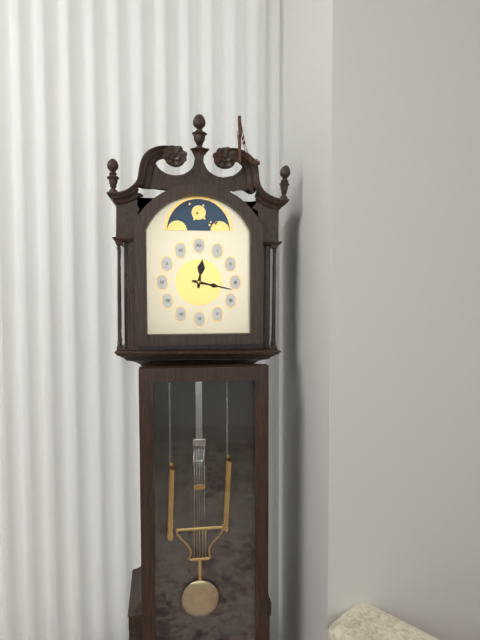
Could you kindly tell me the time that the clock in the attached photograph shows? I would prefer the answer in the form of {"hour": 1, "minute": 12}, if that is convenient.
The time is {"hour": 12, "minute": 17}
